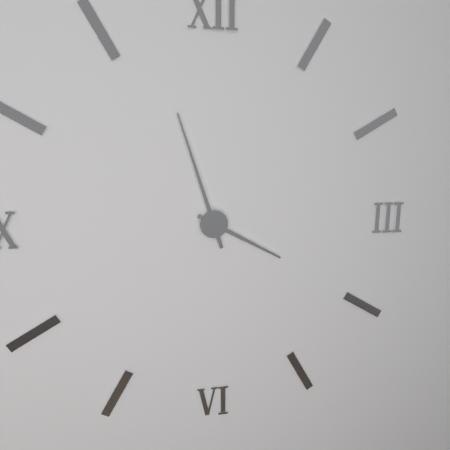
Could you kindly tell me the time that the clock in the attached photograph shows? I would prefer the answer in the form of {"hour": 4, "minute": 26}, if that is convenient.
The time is {"hour": 3, "minute": 57}
